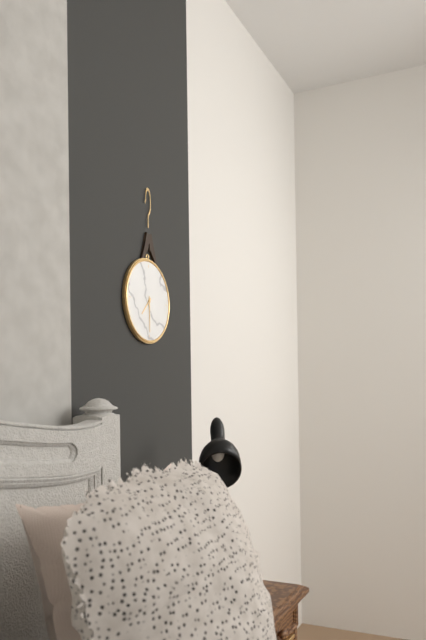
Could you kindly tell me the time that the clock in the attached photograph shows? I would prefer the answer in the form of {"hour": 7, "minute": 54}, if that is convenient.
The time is {"hour": 7, "minute": 30}
